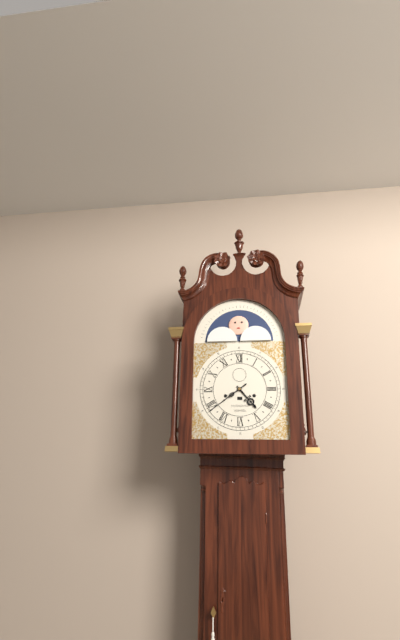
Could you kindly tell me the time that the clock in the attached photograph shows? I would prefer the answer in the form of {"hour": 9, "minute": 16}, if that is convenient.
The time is {"hour": 4, "minute": 39}
